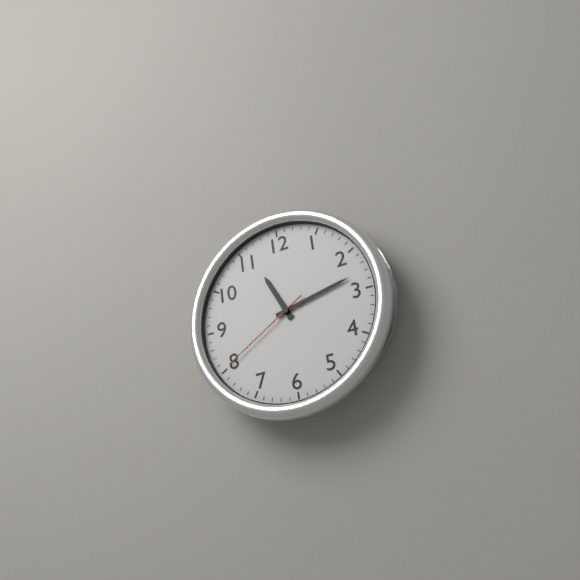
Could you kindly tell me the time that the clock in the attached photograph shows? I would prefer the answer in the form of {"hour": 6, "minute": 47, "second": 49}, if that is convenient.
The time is {"hour": 11, "minute": 13, "second": 40}
